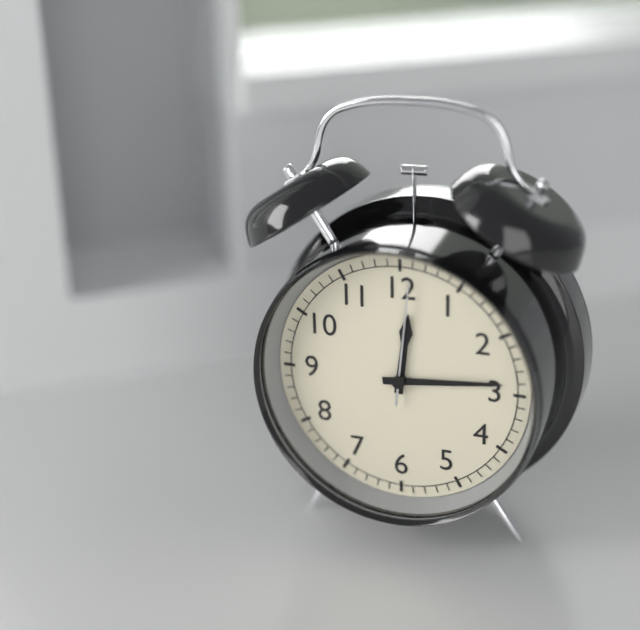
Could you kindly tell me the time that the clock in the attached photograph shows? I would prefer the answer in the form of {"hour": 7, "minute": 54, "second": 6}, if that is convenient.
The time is {"hour": 12, "minute": 14, "second": 1}
